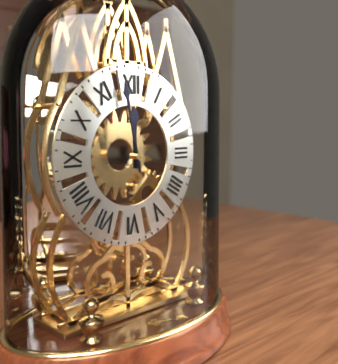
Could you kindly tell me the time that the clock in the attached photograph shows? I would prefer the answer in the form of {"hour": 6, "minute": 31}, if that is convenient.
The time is {"hour": 11, "minute": 58}
